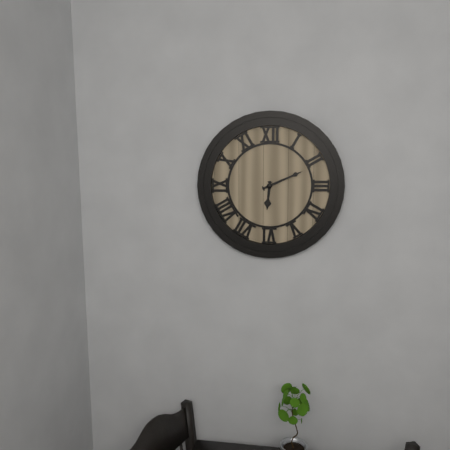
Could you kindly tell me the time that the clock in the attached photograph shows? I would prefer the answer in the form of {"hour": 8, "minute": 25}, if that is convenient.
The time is {"hour": 6, "minute": 11}
